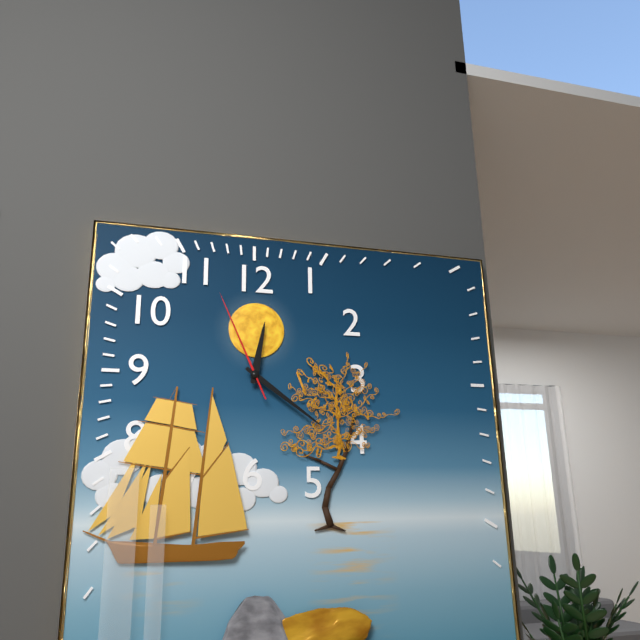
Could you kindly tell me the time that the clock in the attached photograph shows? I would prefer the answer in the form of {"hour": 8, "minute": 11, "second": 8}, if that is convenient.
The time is {"hour": 12, "minute": 21, "second": 56}
